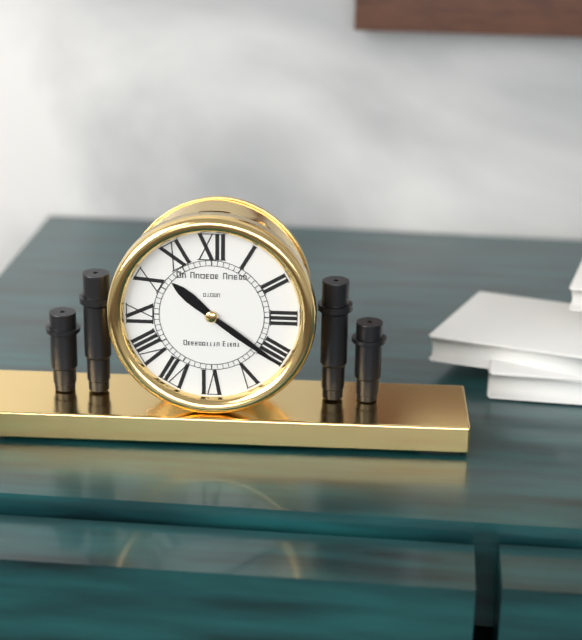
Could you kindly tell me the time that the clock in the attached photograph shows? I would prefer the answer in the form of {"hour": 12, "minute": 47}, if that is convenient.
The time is {"hour": 10, "minute": 21}
